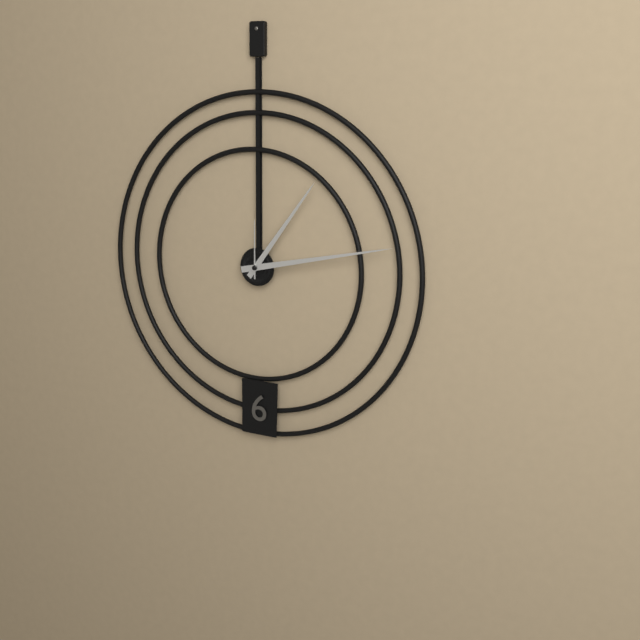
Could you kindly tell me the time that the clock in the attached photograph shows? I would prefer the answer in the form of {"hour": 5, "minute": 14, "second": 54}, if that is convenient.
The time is {"hour": 1, "minute": 13, "second": 0}
